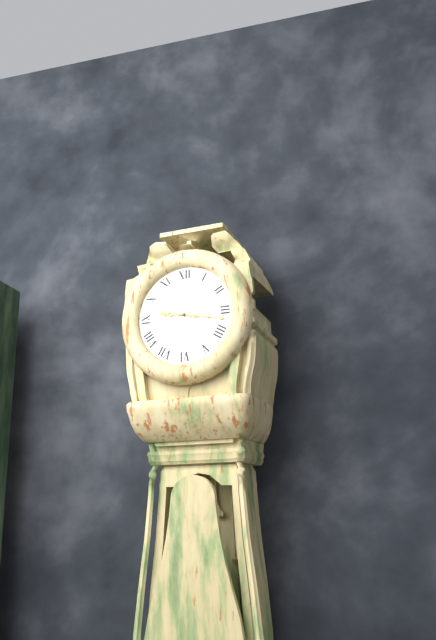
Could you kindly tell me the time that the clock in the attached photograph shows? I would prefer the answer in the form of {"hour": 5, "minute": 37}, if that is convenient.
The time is {"hour": 9, "minute": 17}
